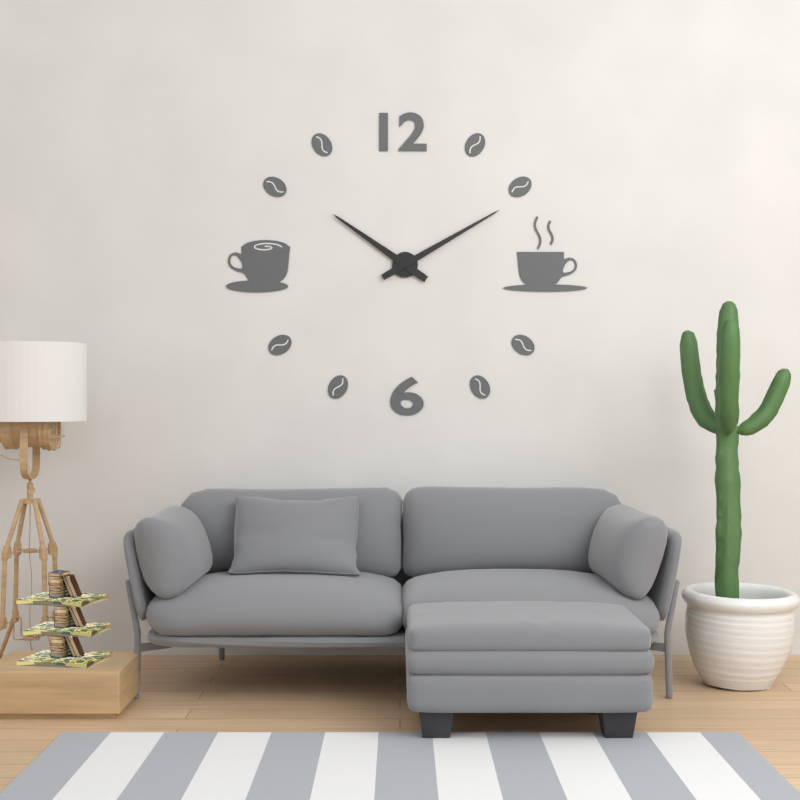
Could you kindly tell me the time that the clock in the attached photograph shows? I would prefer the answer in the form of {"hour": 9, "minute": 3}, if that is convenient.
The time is {"hour": 10, "minute": 10}
